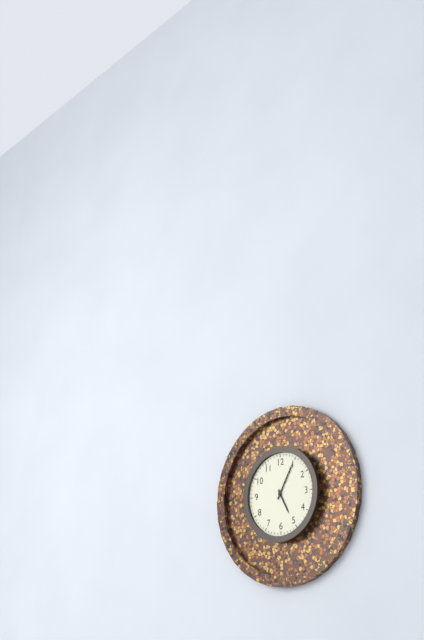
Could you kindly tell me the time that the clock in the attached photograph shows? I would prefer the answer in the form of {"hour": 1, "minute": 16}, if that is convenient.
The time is {"hour": 5, "minute": 5}
